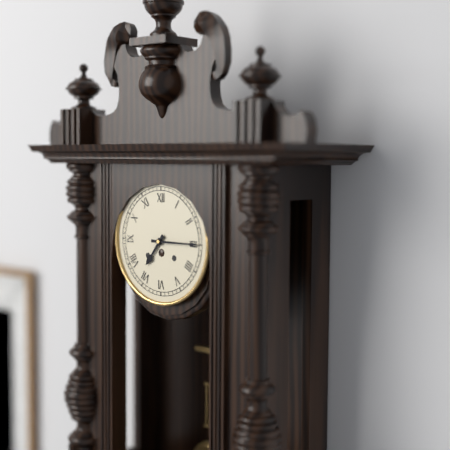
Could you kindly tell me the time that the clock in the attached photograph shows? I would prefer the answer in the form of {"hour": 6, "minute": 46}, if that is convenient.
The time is {"hour": 7, "minute": 15}
